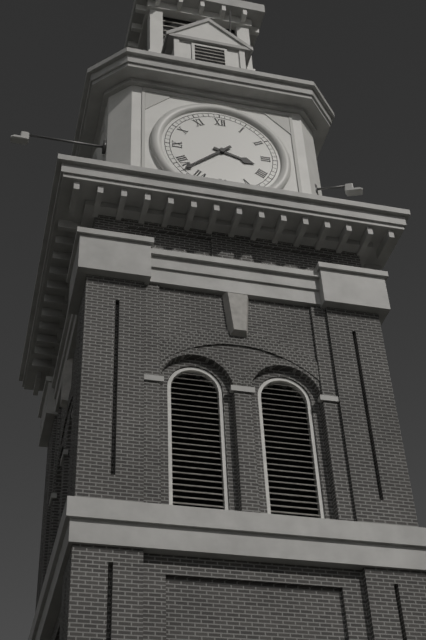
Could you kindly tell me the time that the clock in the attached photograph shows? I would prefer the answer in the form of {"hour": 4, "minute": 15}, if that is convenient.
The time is {"hour": 3, "minute": 38}
